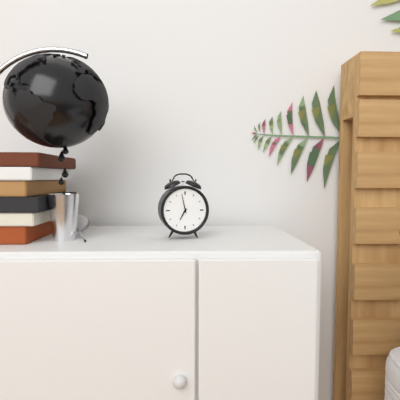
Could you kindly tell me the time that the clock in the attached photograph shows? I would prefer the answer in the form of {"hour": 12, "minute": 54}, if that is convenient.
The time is {"hour": 6, "minute": 58}
